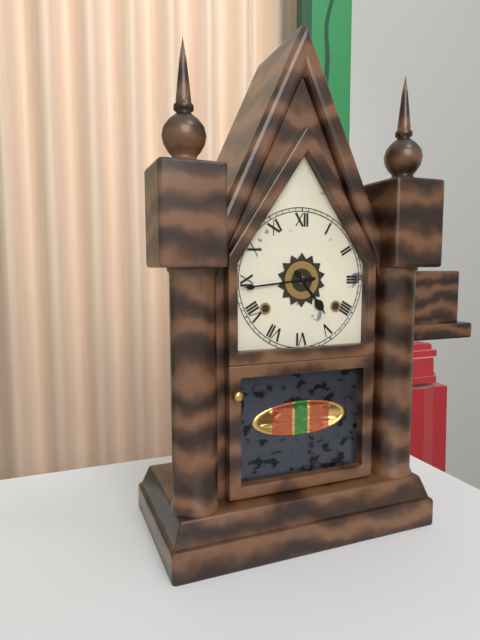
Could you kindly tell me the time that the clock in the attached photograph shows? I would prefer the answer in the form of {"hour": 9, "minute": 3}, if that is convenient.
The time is {"hour": 4, "minute": 44}
